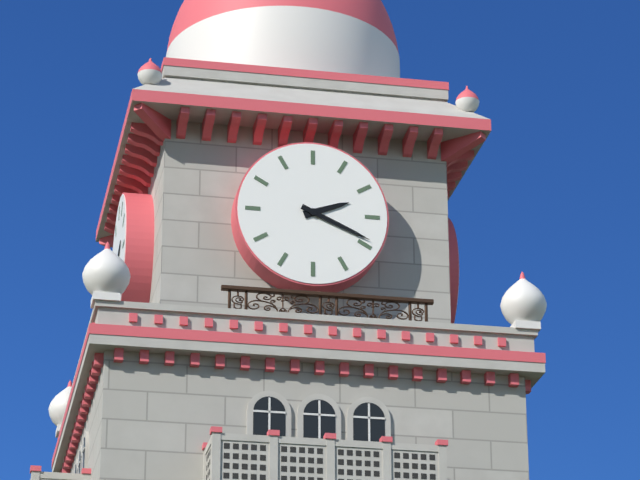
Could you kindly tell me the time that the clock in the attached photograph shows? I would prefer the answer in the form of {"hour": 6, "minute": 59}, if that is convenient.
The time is {"hour": 2, "minute": 19}
